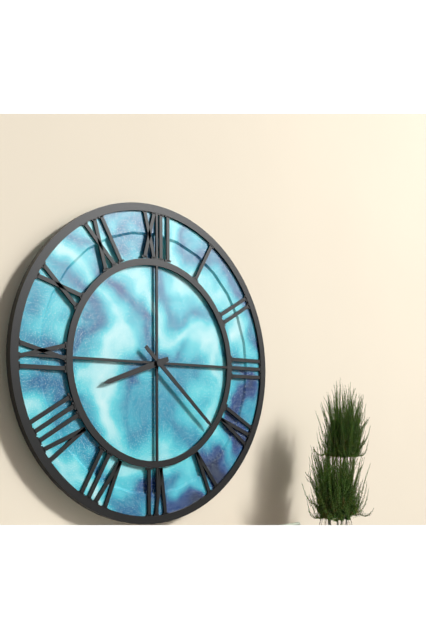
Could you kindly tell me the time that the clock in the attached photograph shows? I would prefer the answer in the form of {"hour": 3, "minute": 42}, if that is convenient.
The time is {"hour": 8, "minute": 22}
